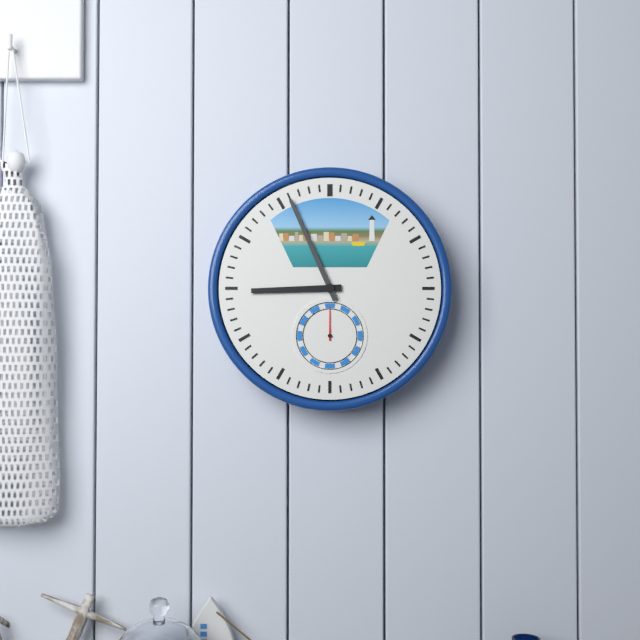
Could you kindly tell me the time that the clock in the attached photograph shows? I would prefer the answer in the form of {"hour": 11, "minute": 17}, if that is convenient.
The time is {"hour": 8, "minute": 56}
